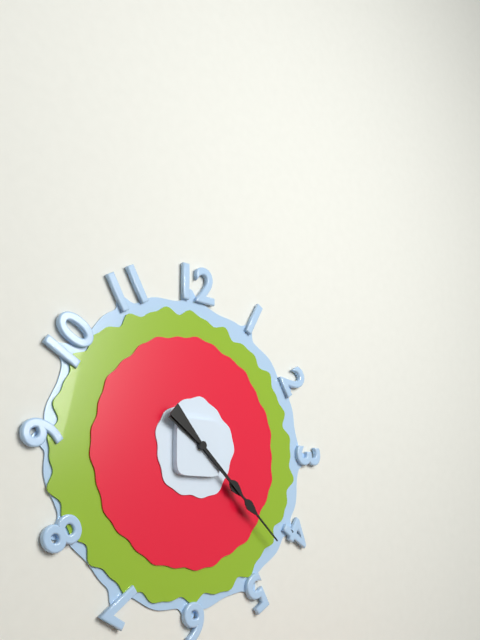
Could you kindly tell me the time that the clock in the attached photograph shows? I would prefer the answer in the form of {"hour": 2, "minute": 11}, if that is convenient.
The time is {"hour": 4, "minute": 22}
